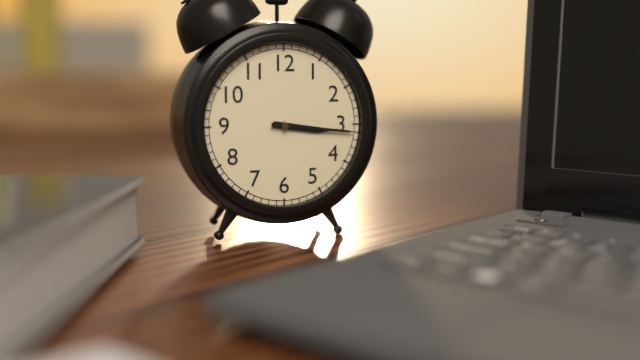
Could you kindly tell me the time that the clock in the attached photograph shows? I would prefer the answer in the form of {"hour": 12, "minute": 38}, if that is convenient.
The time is {"hour": 3, "minute": 16}
